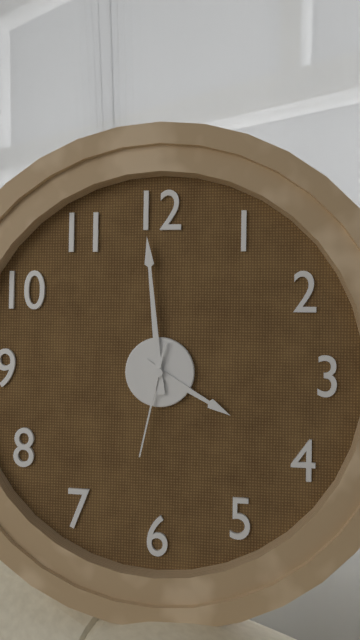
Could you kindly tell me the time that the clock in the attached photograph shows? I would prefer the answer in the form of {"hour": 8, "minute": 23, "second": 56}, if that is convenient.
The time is {"hour": 3, "minute": 59, "second": 32}
